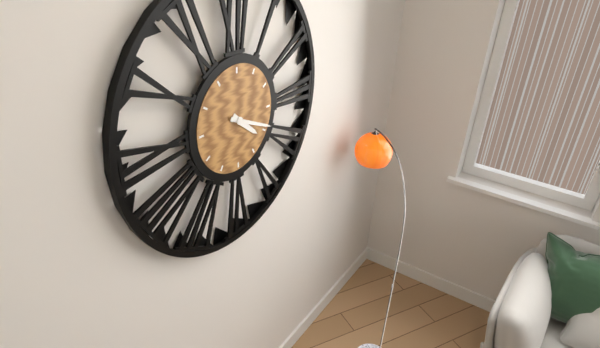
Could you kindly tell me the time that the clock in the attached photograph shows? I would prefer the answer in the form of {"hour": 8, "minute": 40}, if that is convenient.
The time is {"hour": 4, "minute": 19}
